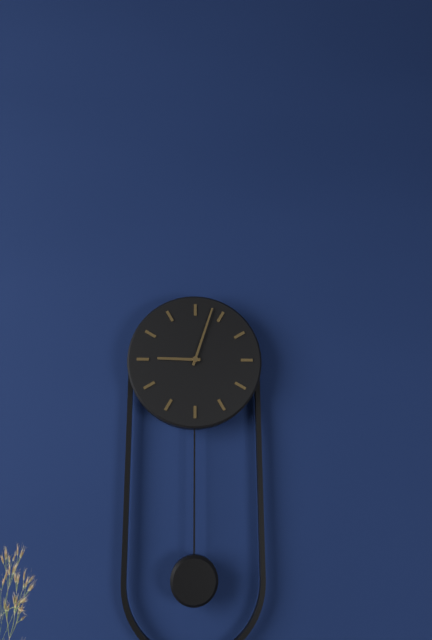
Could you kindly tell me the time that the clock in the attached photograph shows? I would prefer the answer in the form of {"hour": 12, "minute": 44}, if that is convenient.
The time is {"hour": 9, "minute": 3}
